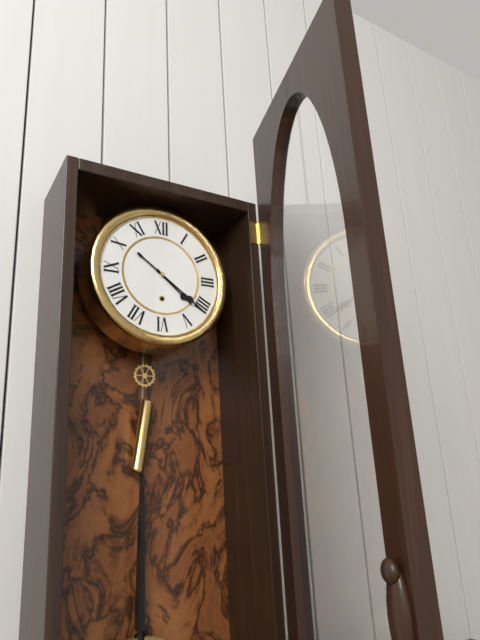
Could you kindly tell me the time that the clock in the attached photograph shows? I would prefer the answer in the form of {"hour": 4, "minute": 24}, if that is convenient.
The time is {"hour": 4, "minute": 21}
